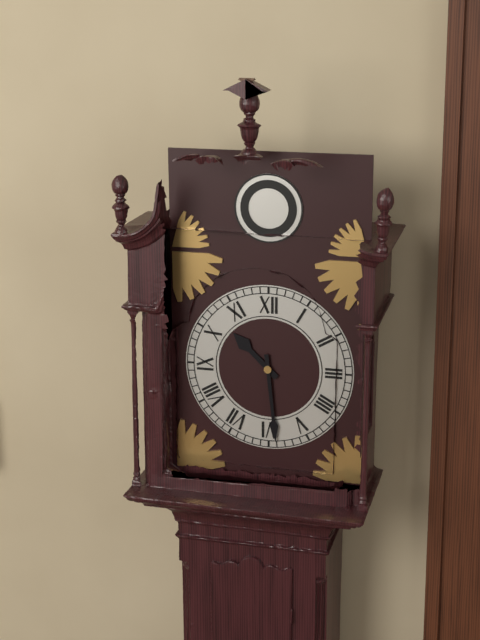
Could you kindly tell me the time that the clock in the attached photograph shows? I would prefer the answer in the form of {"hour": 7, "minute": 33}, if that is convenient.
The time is {"hour": 10, "minute": 29}
